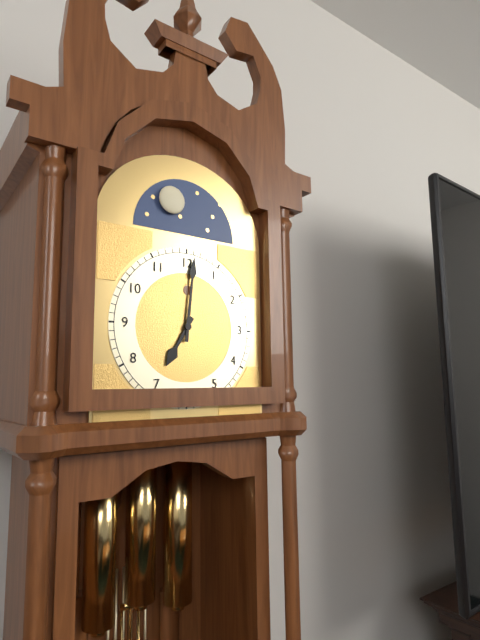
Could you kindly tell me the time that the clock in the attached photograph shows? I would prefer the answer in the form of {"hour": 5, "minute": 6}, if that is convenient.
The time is {"hour": 7, "minute": 1}
